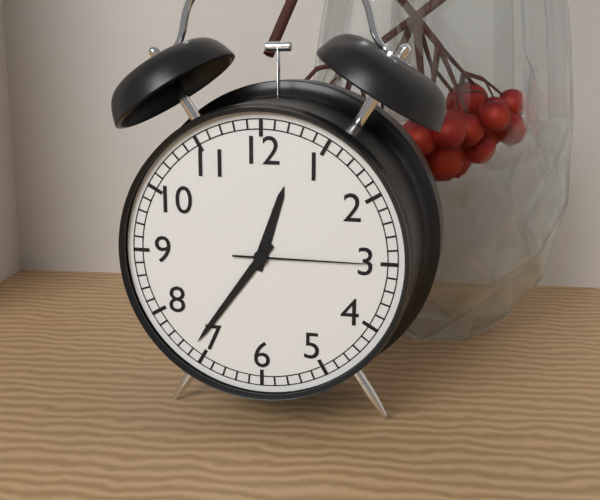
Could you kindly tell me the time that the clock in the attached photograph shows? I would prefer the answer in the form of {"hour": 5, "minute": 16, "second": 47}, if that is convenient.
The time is {"hour": 12, "minute": 36, "second": 15}
